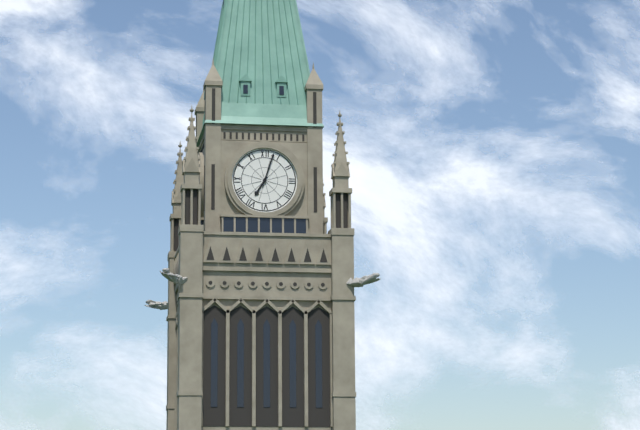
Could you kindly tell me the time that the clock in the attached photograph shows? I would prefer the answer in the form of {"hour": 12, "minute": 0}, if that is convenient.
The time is {"hour": 7, "minute": 3}
